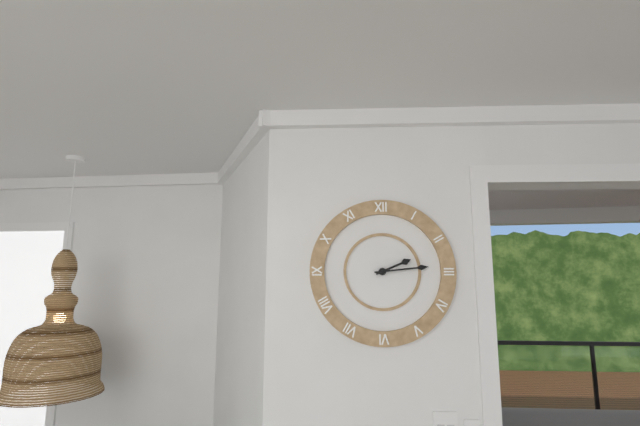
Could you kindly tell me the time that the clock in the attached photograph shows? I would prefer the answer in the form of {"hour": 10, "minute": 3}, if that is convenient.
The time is {"hour": 2, "minute": 14}
